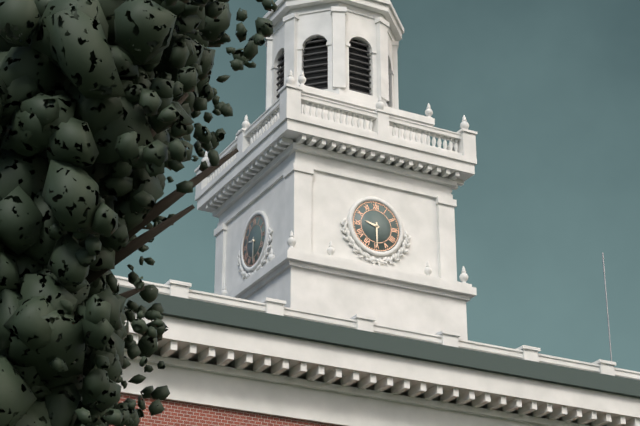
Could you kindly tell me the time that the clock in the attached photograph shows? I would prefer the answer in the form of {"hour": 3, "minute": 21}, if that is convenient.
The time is {"hour": 9, "minute": 30}
